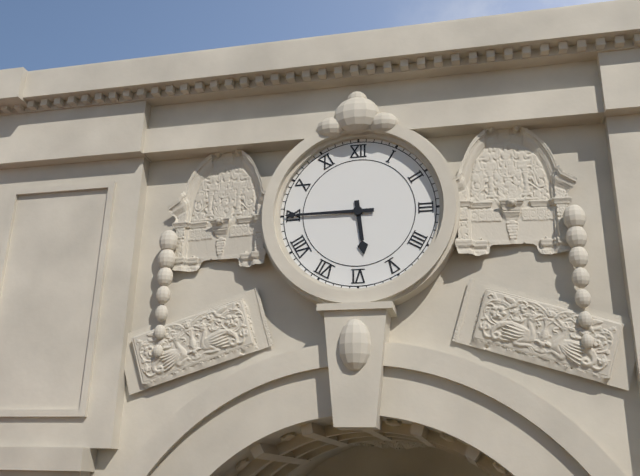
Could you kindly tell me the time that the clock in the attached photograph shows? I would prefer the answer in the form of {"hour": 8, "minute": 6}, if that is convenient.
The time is {"hour": 5, "minute": 45}
